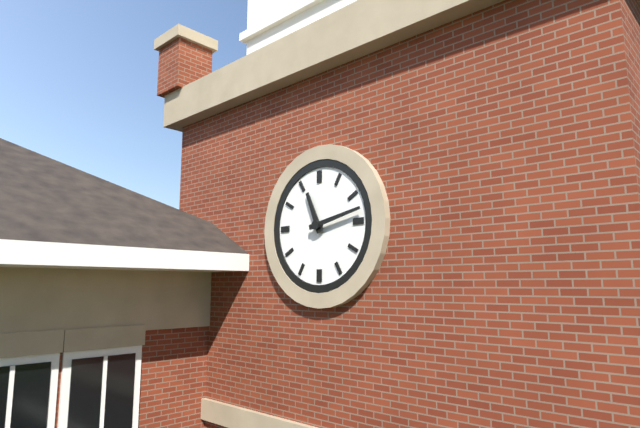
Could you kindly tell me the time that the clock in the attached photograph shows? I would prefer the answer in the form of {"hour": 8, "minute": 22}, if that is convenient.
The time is {"hour": 11, "minute": 13}
